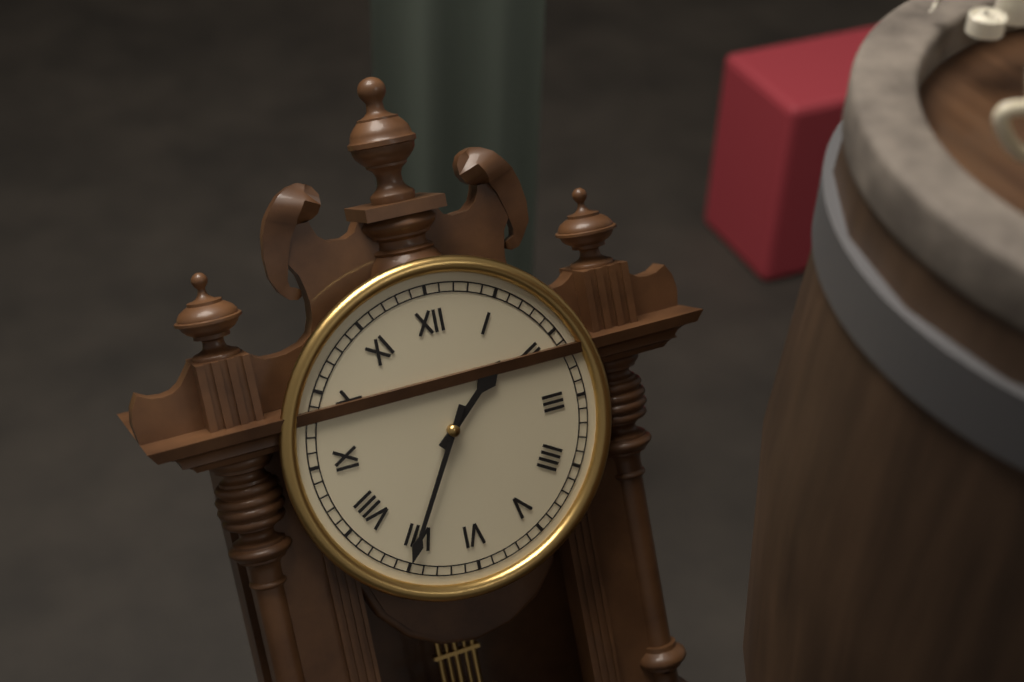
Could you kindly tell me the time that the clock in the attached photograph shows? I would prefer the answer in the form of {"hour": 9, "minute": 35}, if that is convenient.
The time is {"hour": 1, "minute": 35}
